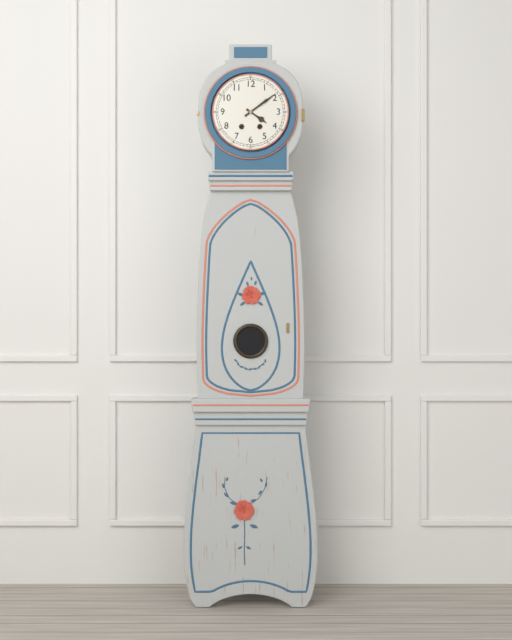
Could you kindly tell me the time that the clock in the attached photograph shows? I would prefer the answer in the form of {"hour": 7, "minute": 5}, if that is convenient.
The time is {"hour": 4, "minute": 9}
